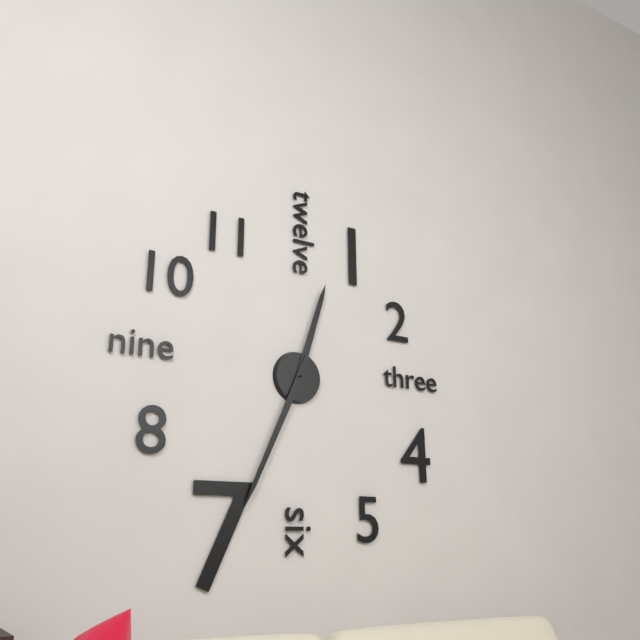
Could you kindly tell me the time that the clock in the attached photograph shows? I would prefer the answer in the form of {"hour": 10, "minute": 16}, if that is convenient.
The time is {"hour": 12, "minute": 34}
